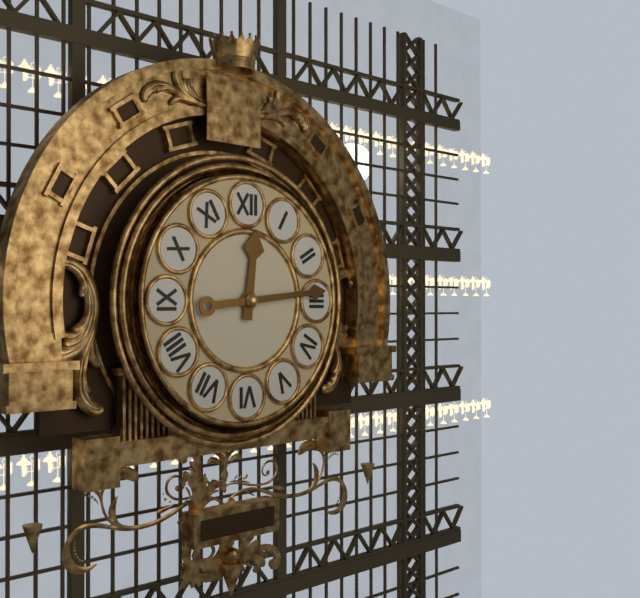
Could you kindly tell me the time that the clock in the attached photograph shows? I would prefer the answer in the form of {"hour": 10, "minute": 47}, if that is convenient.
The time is {"hour": 12, "minute": 14}
